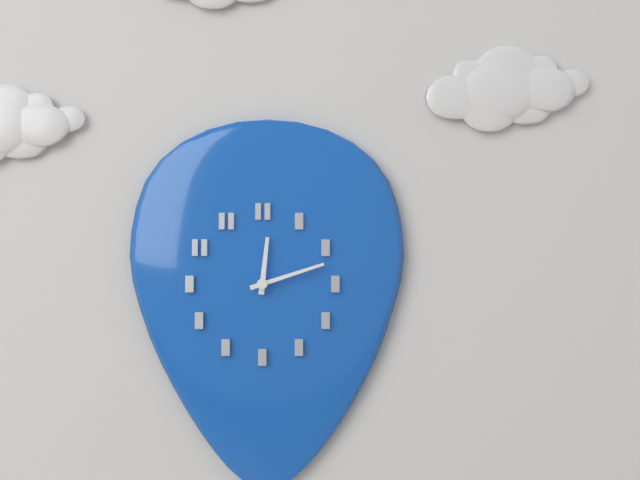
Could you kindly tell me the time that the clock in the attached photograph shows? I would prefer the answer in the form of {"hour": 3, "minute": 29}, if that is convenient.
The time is {"hour": 12, "minute": 12}
